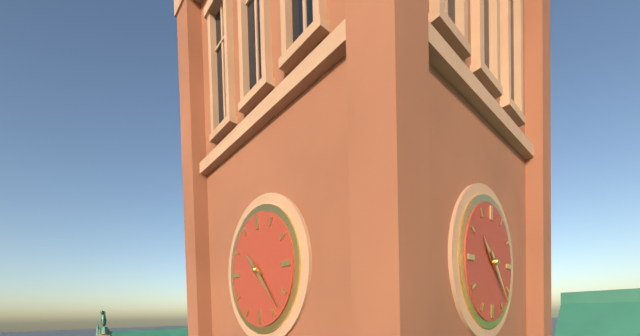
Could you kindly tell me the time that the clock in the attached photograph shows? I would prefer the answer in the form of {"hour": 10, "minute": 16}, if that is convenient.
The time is {"hour": 10, "minute": 23}
